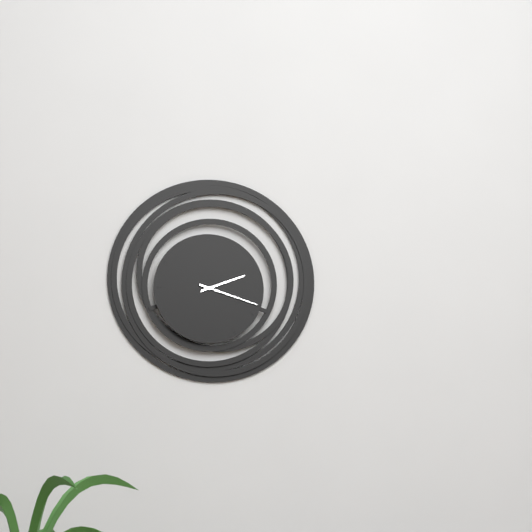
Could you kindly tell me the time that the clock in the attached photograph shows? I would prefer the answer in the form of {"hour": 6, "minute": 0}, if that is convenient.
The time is {"hour": 2, "minute": 18}
